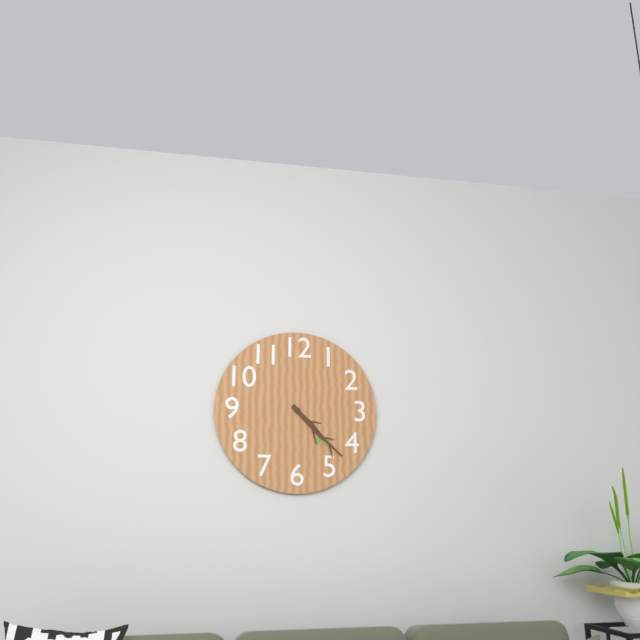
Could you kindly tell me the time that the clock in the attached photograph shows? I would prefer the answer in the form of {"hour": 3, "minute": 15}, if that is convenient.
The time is {"hour": 4, "minute": 23}
